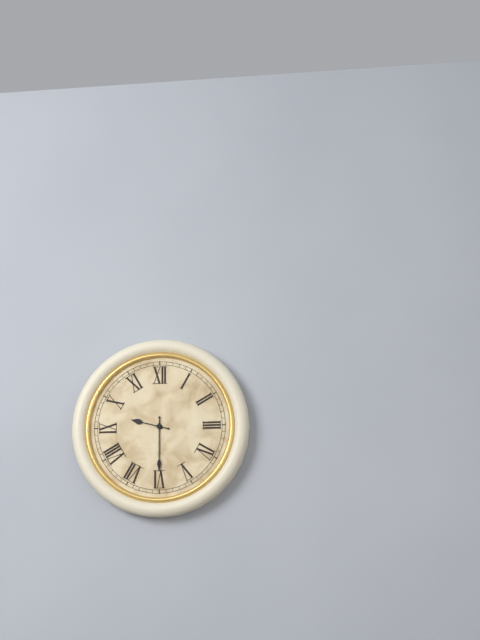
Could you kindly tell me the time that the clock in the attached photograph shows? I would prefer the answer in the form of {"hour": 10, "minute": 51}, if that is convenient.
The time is {"hour": 9, "minute": 30}
